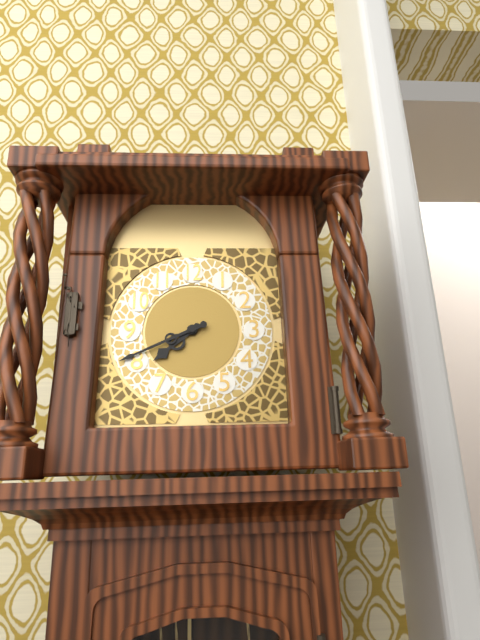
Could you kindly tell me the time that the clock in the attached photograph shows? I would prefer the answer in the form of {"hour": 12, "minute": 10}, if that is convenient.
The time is {"hour": 7, "minute": 41}
